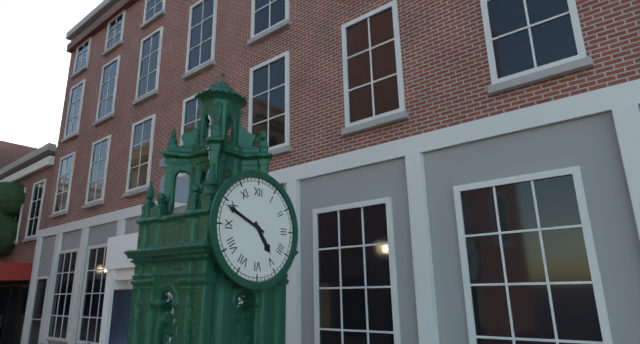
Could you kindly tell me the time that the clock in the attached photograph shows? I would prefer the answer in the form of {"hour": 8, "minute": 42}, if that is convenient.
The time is {"hour": 4, "minute": 49}
